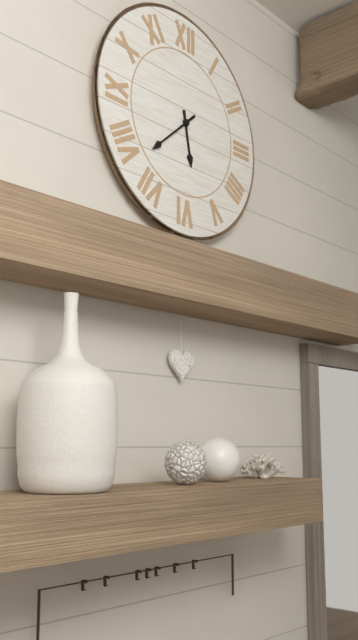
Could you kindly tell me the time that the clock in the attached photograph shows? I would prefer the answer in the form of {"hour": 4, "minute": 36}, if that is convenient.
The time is {"hour": 5, "minute": 38}
